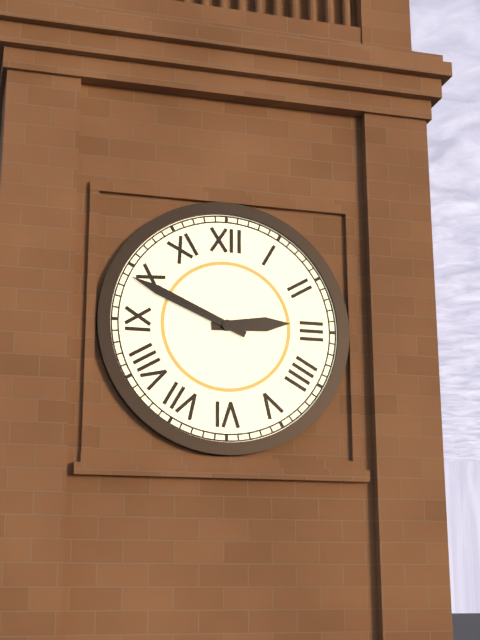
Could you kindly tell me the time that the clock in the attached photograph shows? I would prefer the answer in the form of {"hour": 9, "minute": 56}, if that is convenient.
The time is {"hour": 2, "minute": 49}
